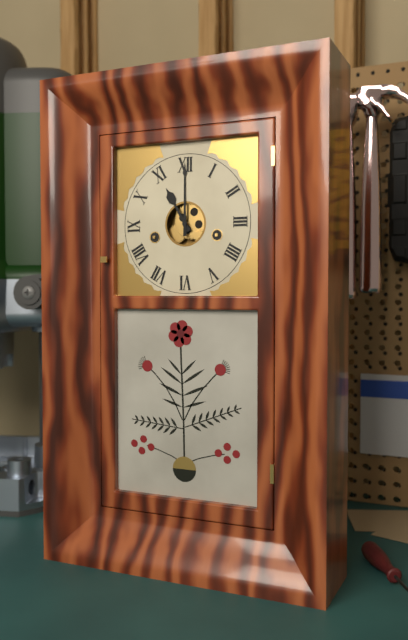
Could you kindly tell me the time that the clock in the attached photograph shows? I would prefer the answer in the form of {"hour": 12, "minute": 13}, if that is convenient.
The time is {"hour": 11, "minute": 0}
